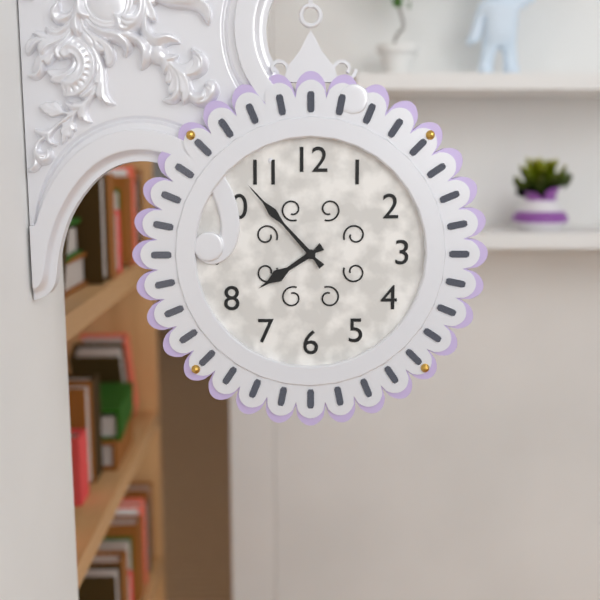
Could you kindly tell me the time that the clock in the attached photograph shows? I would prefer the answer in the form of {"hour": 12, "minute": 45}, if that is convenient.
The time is {"hour": 7, "minute": 53}
